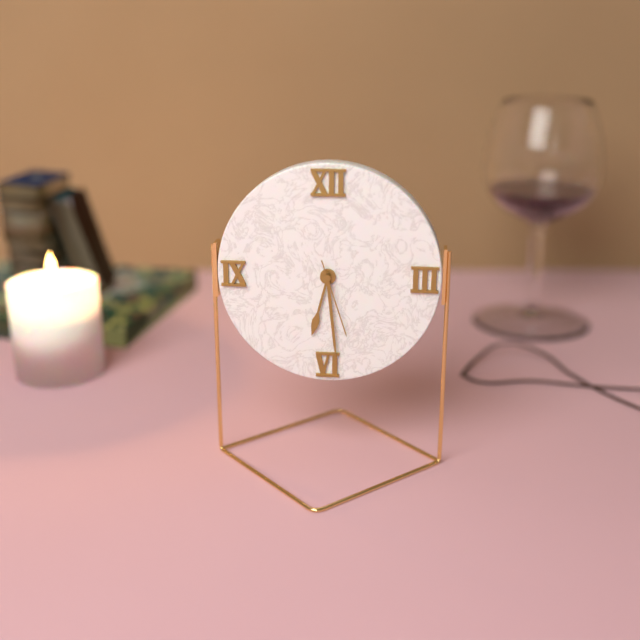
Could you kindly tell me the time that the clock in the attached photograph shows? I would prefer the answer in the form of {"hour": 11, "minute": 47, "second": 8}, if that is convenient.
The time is {"hour": 6, "minute": 29, "second": 27}
